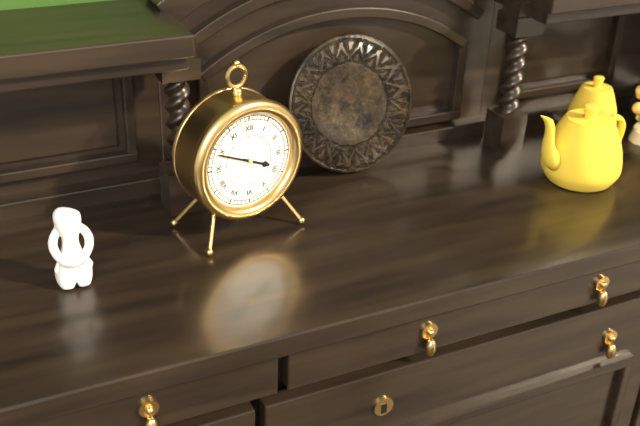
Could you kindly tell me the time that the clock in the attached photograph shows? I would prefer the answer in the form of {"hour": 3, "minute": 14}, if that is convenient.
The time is {"hour": 3, "minute": 49}
